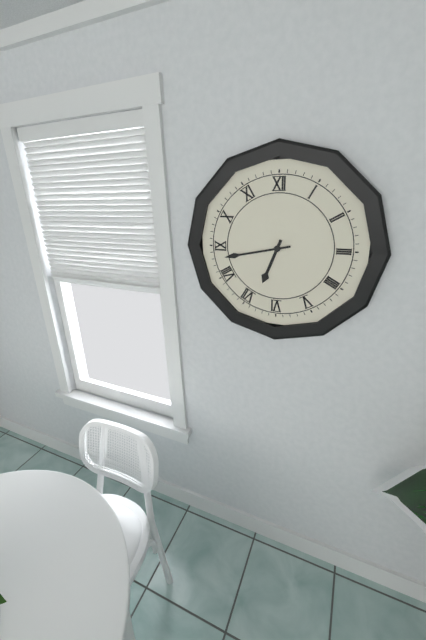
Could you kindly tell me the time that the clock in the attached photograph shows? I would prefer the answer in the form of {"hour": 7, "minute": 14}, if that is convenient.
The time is {"hour": 6, "minute": 43}
